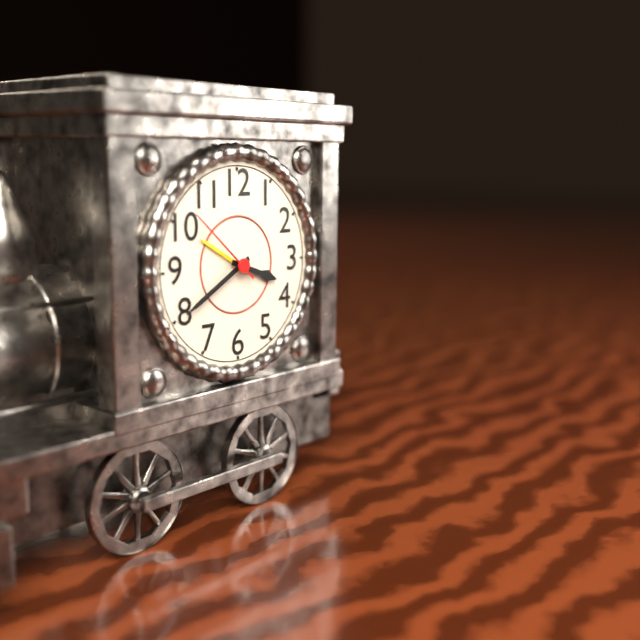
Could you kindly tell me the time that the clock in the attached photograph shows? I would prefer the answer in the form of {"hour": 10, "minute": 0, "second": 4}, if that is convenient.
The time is {"hour": 3, "minute": 40, "second": 52}
